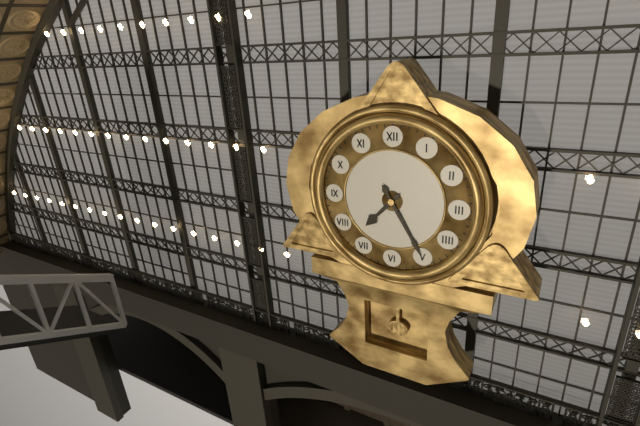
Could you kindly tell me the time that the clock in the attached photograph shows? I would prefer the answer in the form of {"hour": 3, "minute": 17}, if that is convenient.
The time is {"hour": 7, "minute": 25}
